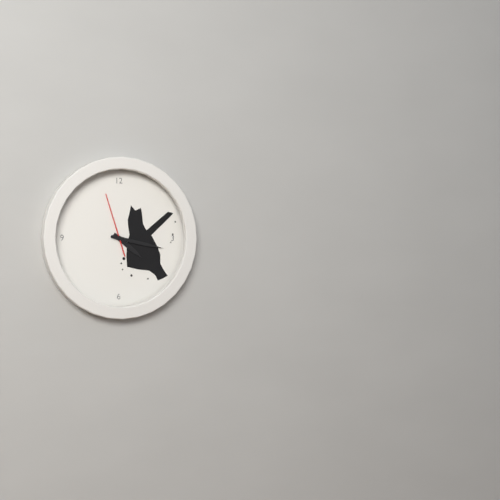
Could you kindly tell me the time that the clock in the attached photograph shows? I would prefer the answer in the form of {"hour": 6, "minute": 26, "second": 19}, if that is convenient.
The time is {"hour": 4, "minute": 17, "second": 57}
